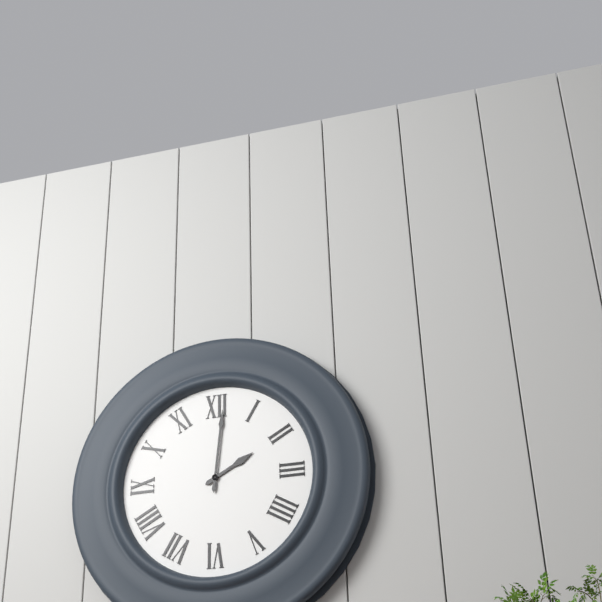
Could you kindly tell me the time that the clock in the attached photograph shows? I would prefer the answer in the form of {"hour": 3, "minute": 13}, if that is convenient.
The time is {"hour": 2, "minute": 1}
